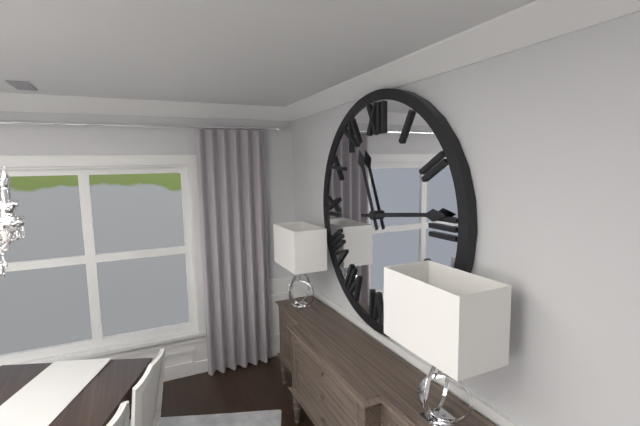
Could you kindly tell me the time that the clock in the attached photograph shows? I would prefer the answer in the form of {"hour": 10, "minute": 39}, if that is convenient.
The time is {"hour": 11, "minute": 14}
